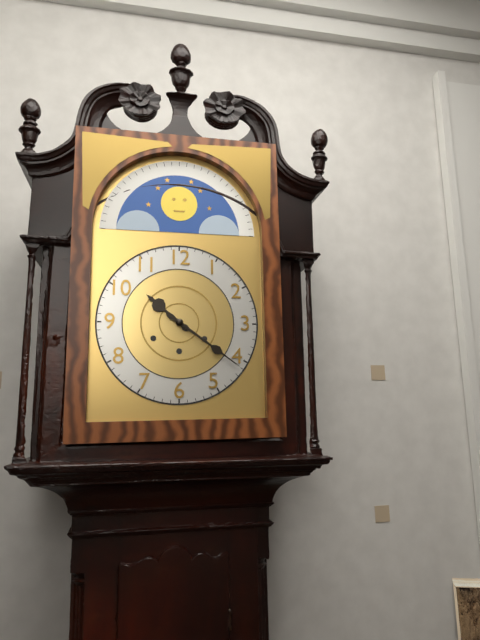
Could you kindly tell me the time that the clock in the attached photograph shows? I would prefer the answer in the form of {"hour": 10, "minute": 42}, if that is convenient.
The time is {"hour": 10, "minute": 21}
